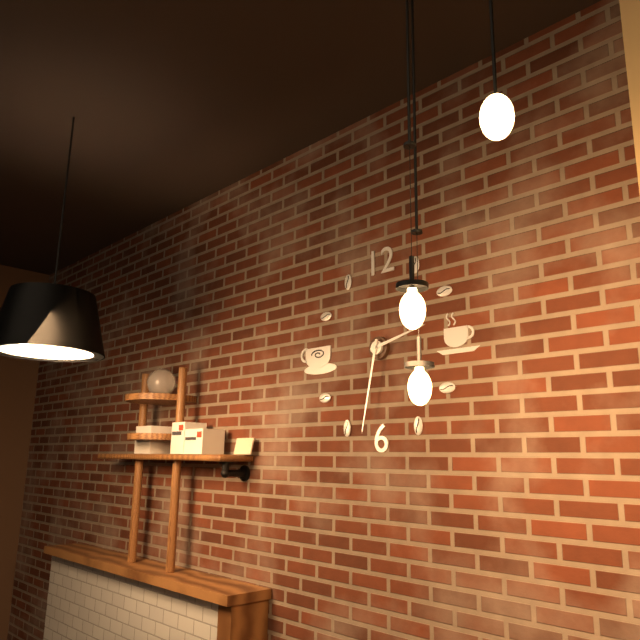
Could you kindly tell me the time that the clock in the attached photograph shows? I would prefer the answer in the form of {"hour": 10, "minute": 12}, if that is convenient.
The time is {"hour": 2, "minute": 32}
